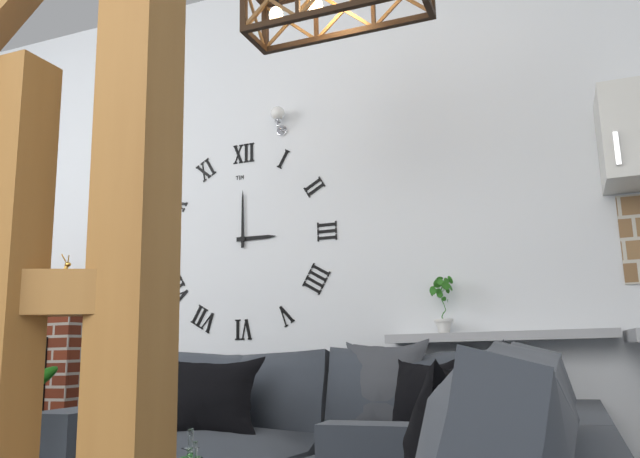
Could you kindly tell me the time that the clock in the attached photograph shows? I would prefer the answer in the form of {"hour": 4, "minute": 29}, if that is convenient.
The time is {"hour": 3, "minute": 0}
